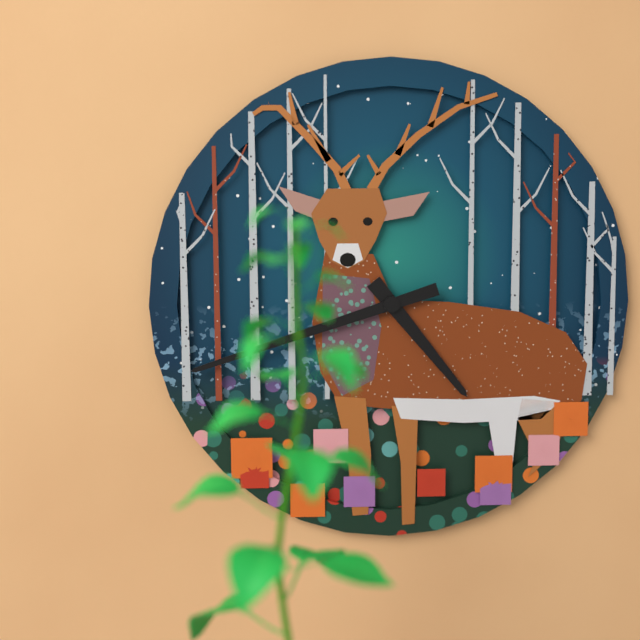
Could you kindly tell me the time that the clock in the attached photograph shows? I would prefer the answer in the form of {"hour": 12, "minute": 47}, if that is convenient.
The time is {"hour": 4, "minute": 42}
